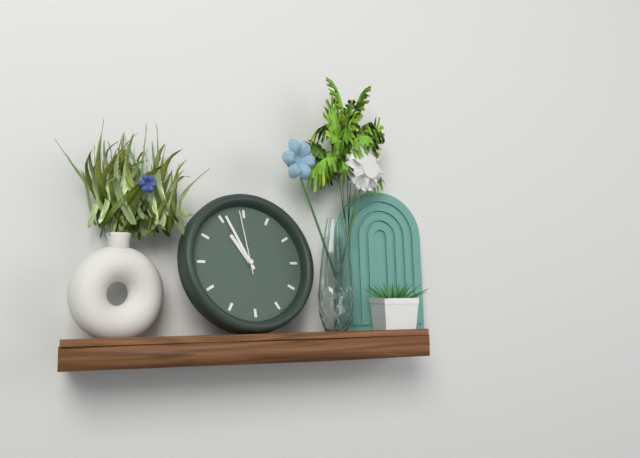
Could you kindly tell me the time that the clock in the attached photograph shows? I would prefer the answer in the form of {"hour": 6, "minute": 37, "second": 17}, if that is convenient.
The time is {"hour": 10, "minute": 56, "second": 59}
